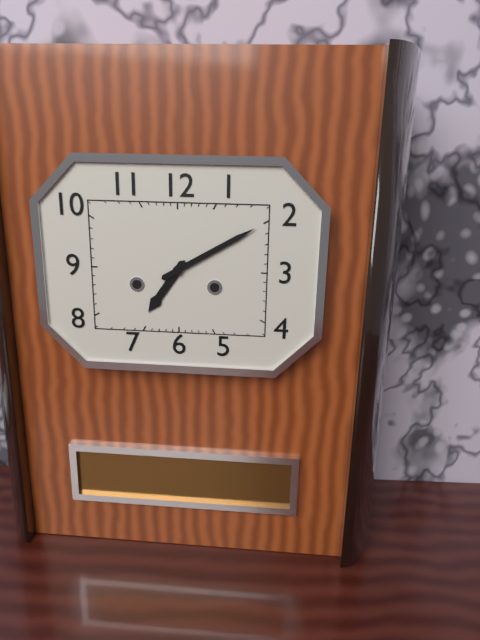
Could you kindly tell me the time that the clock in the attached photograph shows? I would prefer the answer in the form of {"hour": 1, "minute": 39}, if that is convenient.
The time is {"hour": 7, "minute": 10}
